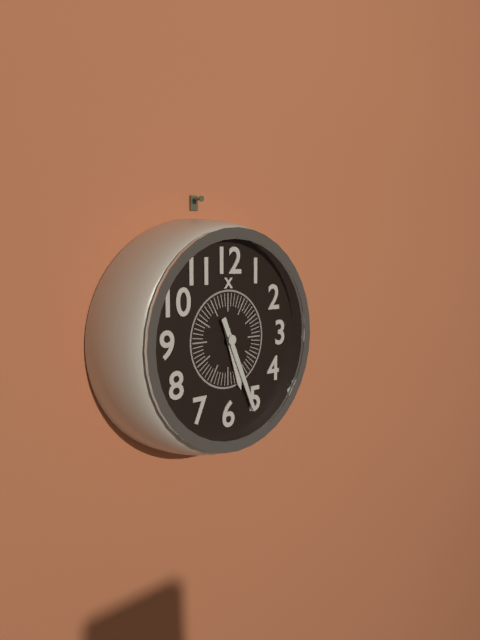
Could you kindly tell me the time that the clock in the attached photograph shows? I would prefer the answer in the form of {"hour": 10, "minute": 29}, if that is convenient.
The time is {"hour": 5, "minute": 26}
